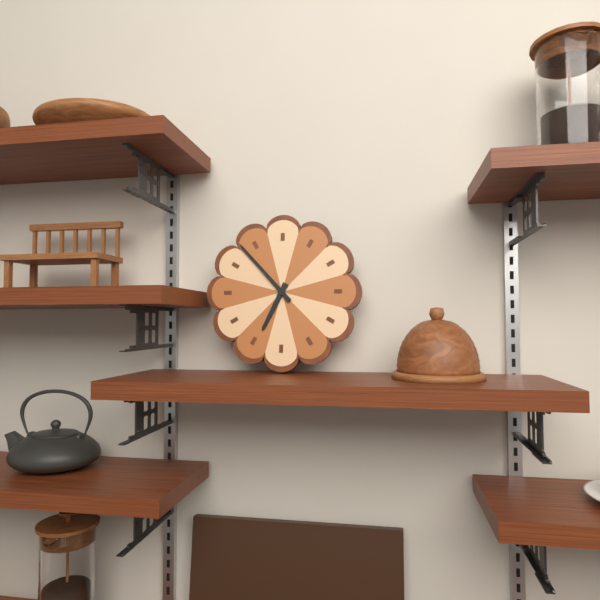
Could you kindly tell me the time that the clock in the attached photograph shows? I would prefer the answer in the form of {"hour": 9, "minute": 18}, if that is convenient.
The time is {"hour": 6, "minute": 53}
